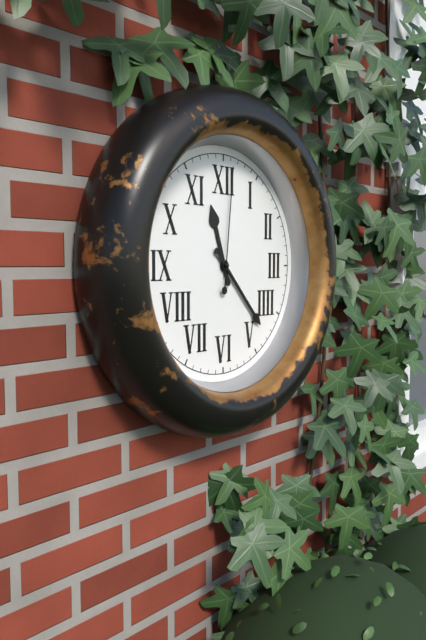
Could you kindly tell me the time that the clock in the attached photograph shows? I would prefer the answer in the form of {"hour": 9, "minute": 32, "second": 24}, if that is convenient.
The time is {"hour": 11, "minute": 23, "second": 1}
